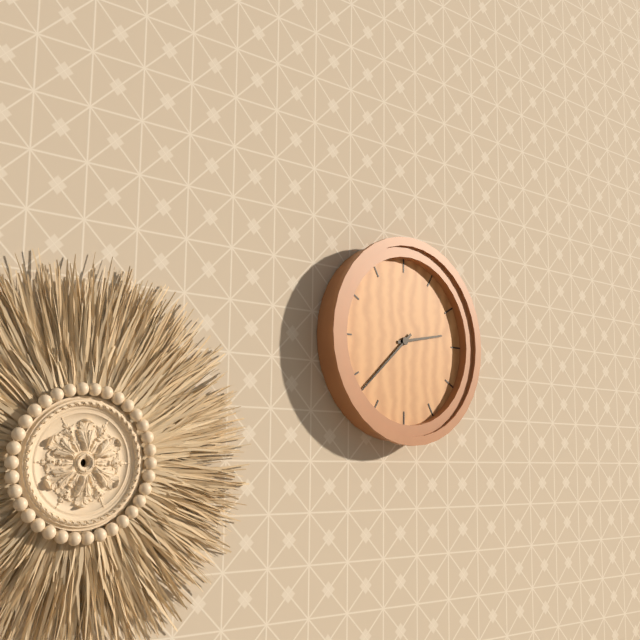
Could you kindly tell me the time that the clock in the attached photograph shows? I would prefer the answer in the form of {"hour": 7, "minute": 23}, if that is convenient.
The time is {"hour": 2, "minute": 38}
